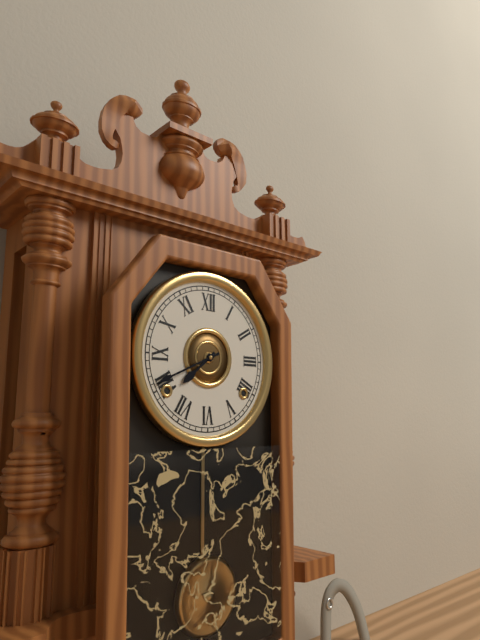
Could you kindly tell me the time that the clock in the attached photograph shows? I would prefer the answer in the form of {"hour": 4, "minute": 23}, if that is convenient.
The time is {"hour": 7, "minute": 41}
